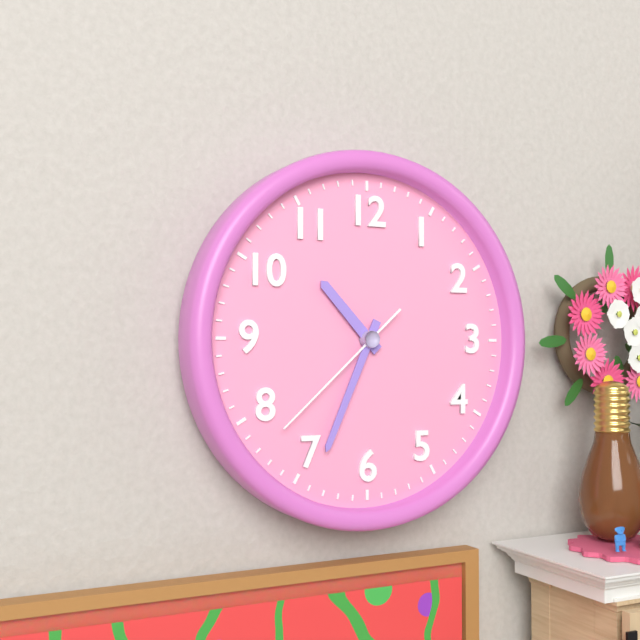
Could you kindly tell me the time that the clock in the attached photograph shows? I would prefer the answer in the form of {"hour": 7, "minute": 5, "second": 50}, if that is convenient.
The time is {"hour": 10, "minute": 34, "second": 38}
